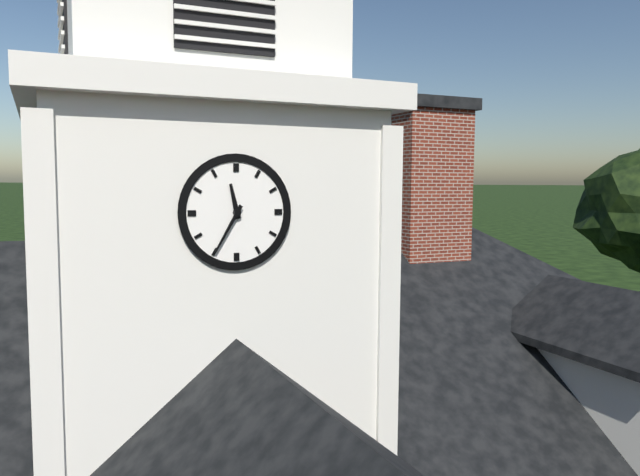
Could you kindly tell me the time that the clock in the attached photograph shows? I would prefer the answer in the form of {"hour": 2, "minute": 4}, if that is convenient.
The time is {"hour": 11, "minute": 35}
